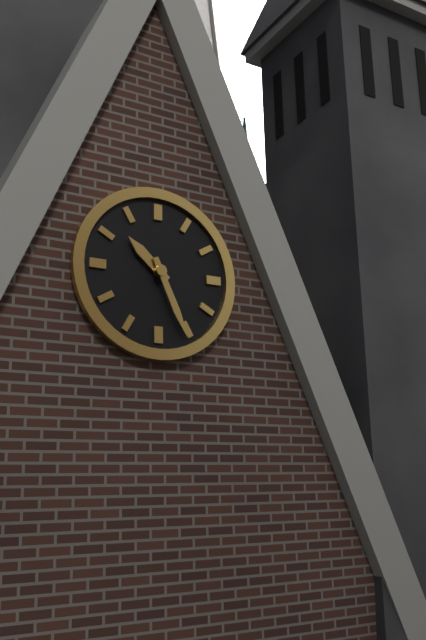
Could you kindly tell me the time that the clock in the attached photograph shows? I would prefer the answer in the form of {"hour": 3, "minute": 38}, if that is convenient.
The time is {"hour": 10, "minute": 26}
